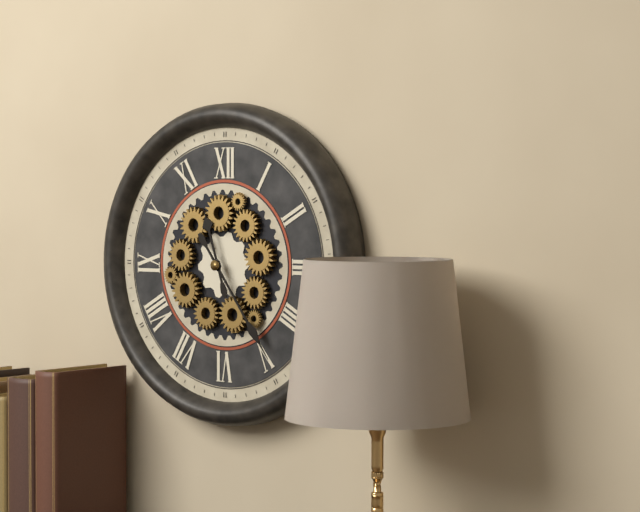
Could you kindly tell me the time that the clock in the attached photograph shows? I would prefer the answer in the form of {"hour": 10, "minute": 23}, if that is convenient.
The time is {"hour": 11, "minute": 24}
